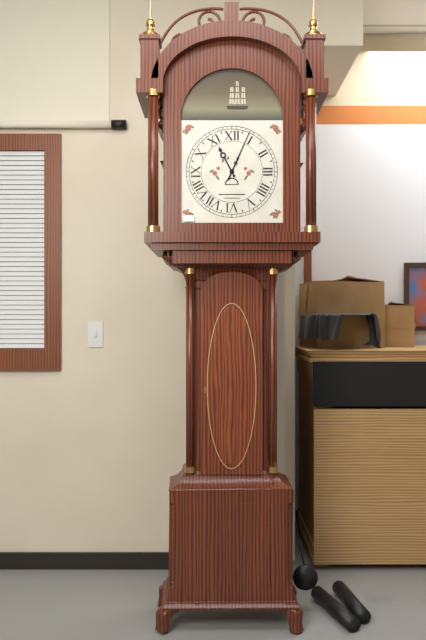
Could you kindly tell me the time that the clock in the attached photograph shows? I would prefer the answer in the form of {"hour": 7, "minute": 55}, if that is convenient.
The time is {"hour": 11, "minute": 4}
